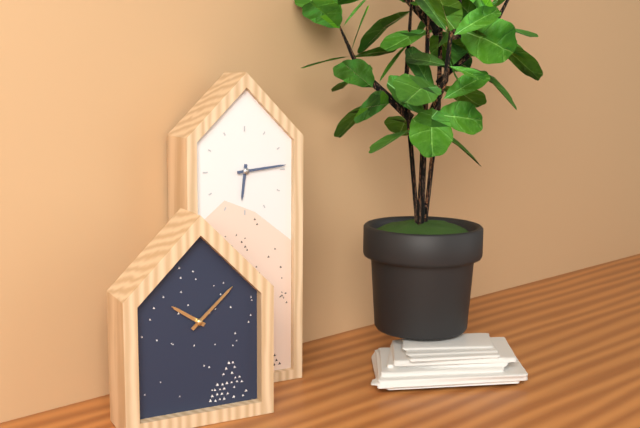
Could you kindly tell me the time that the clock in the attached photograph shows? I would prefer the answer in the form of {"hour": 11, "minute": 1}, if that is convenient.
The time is {"hour": 6, "minute": 14}
